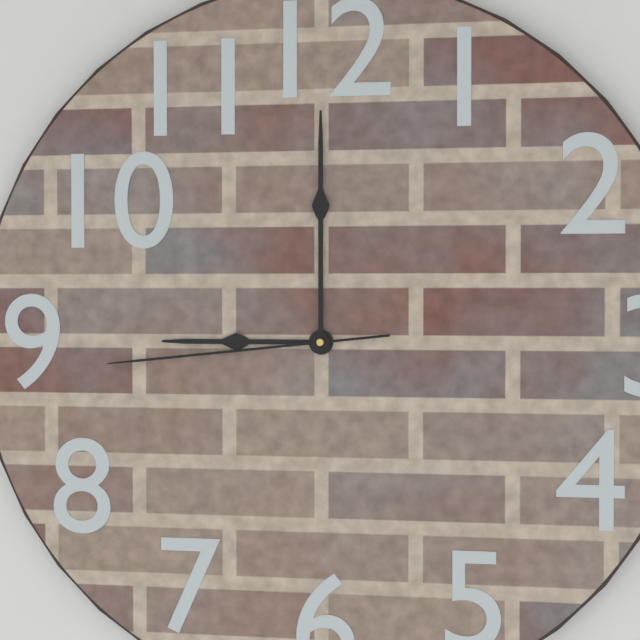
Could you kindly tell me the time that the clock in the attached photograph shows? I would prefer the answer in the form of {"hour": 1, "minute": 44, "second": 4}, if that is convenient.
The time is {"hour": 9, "minute": 0, "second": 44}
